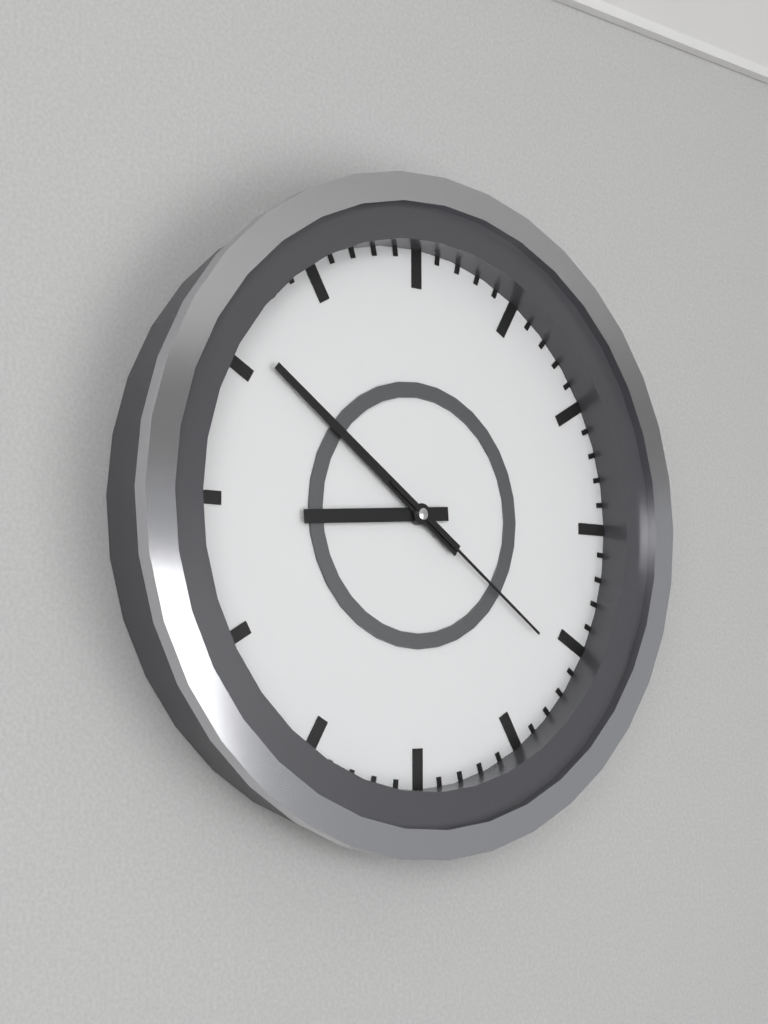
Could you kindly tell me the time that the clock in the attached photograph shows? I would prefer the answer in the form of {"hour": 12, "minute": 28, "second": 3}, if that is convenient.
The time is {"hour": 8, "minute": 51, "second": 21}
